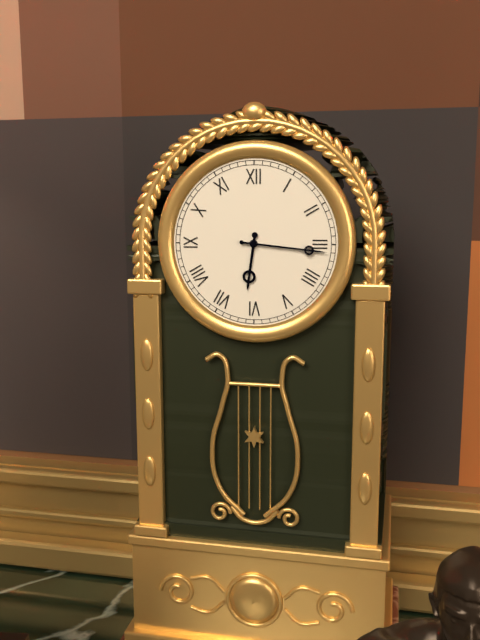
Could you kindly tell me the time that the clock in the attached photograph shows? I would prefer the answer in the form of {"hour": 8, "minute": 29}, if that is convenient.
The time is {"hour": 6, "minute": 16}
